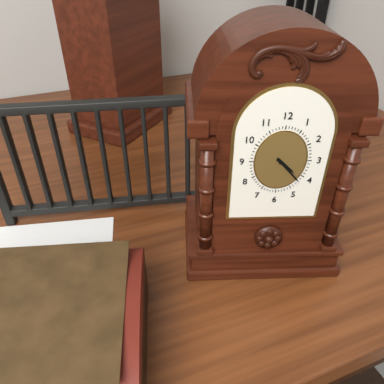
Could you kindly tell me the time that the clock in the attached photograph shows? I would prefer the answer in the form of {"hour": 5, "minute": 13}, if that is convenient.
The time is {"hour": 4, "minute": 23}
